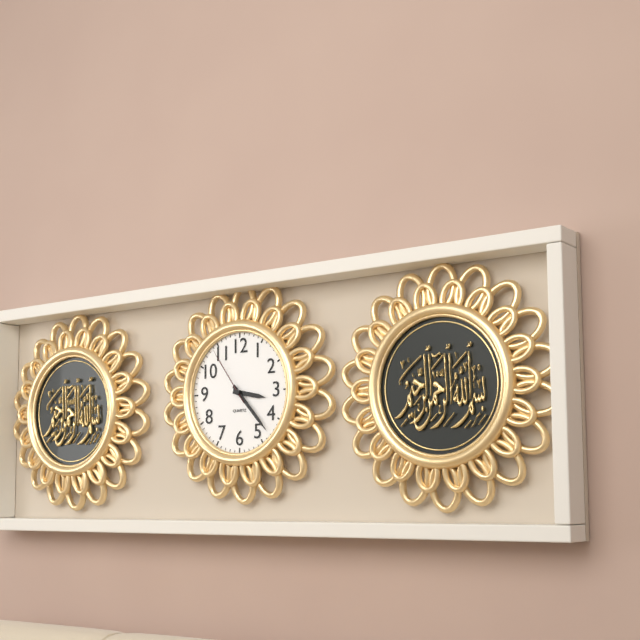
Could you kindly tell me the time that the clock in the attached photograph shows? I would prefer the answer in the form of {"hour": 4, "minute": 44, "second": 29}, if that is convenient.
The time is {"hour": 3, "minute": 23, "second": 54}
